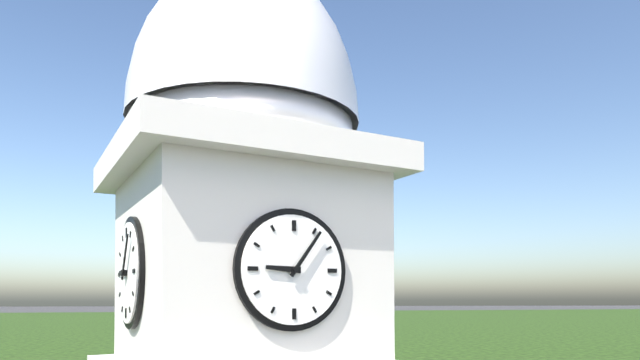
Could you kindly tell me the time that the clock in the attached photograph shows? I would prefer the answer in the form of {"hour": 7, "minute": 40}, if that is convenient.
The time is {"hour": 9, "minute": 6}
